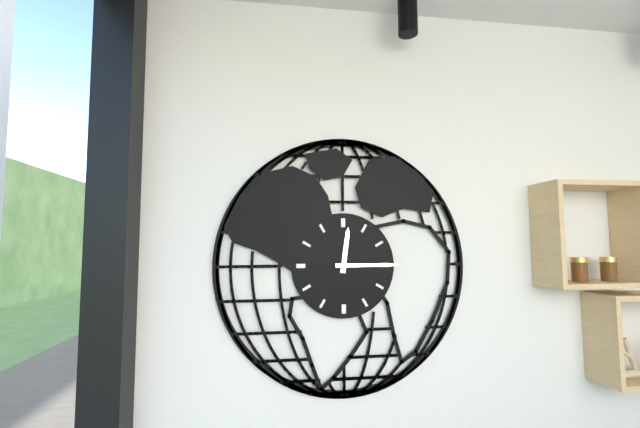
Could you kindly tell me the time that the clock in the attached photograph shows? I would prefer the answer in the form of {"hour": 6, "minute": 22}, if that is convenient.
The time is {"hour": 12, "minute": 15}
